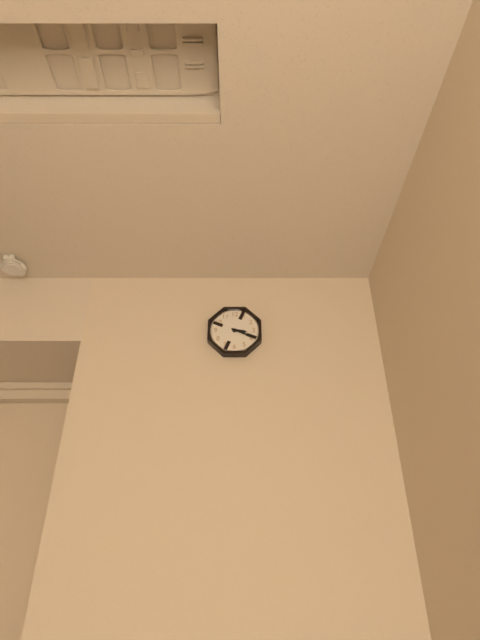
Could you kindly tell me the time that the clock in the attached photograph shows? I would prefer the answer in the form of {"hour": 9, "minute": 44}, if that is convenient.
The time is {"hour": 3, "minute": 19}
